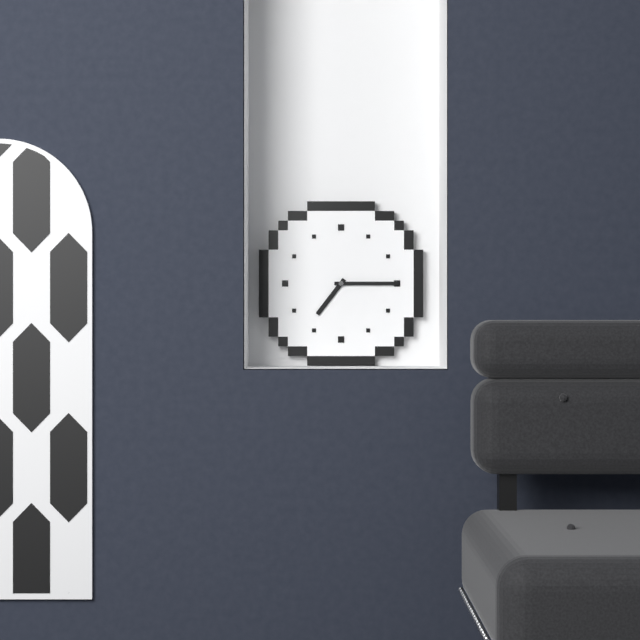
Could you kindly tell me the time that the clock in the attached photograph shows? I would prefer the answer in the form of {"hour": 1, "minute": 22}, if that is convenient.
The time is {"hour": 7, "minute": 15}
